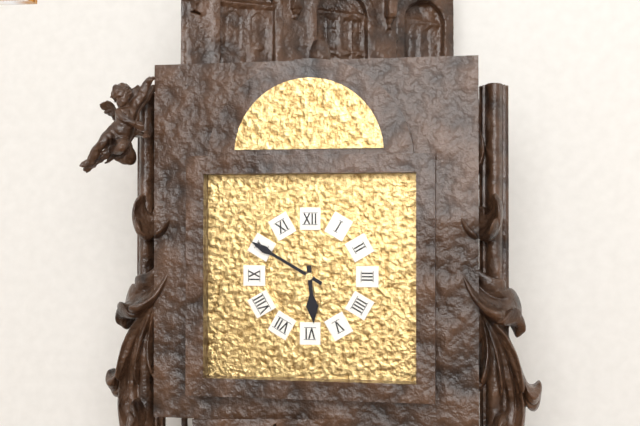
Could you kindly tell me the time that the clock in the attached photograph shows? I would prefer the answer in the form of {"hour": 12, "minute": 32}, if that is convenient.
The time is {"hour": 5, "minute": 50}
